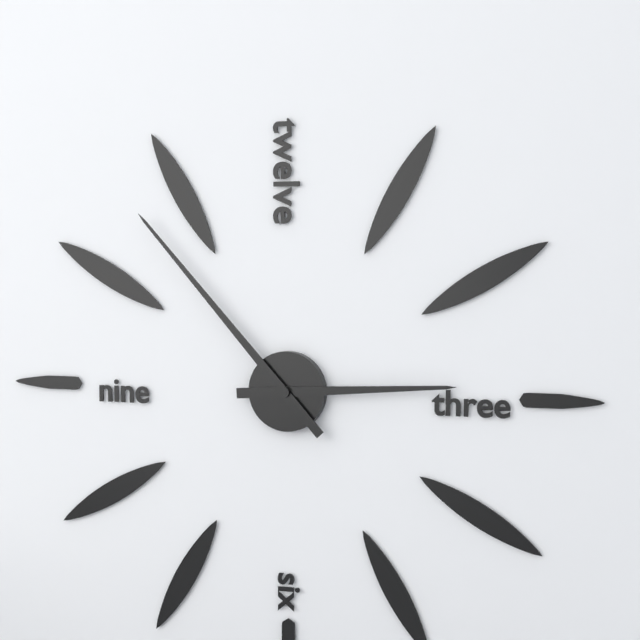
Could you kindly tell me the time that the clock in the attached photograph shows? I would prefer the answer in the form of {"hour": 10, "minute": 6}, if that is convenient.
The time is {"hour": 2, "minute": 53}
